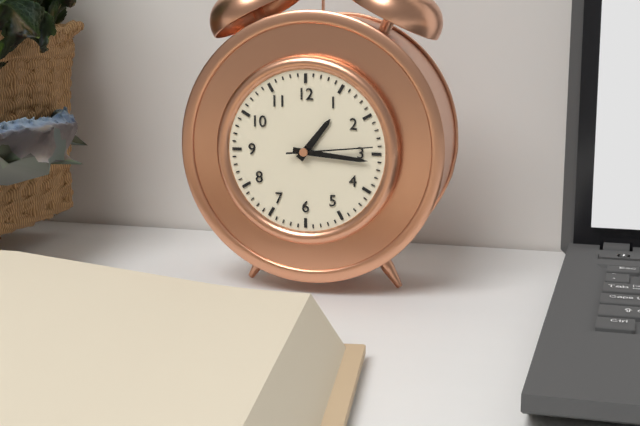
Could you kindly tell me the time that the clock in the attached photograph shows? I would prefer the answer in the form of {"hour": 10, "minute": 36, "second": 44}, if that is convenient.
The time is {"hour": 1, "minute": 16, "second": 14}
